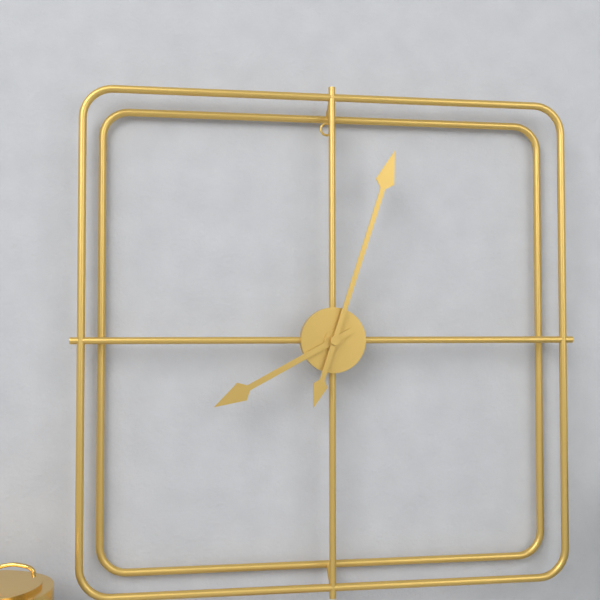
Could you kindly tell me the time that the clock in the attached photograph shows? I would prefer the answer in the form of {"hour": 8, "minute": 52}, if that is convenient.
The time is {"hour": 8, "minute": 3}
